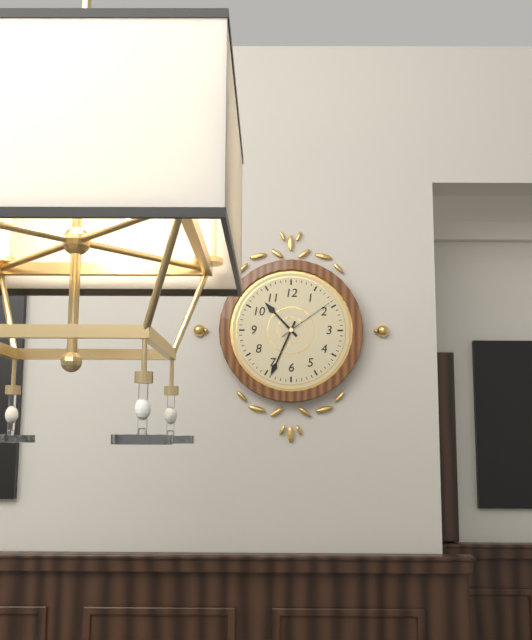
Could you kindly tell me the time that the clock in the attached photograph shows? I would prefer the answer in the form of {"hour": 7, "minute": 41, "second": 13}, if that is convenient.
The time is {"hour": 10, "minute": 34, "second": 9}
